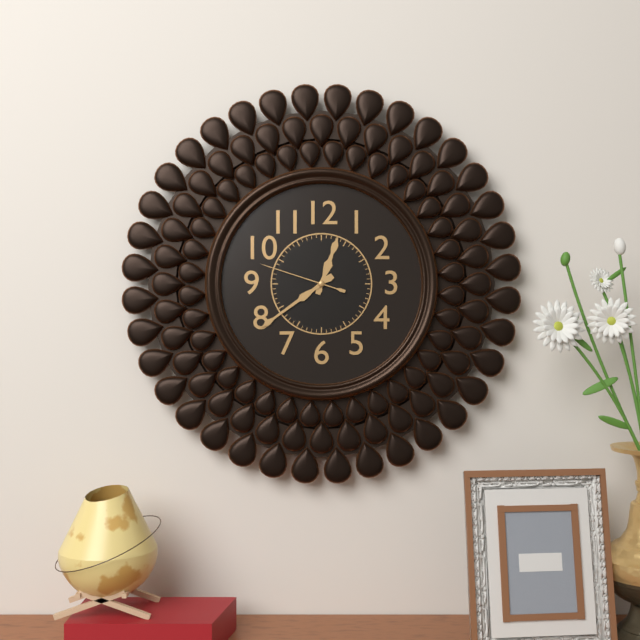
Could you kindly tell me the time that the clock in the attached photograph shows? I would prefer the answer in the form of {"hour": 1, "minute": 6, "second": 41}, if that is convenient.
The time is {"hour": 12, "minute": 39, "second": 48}
